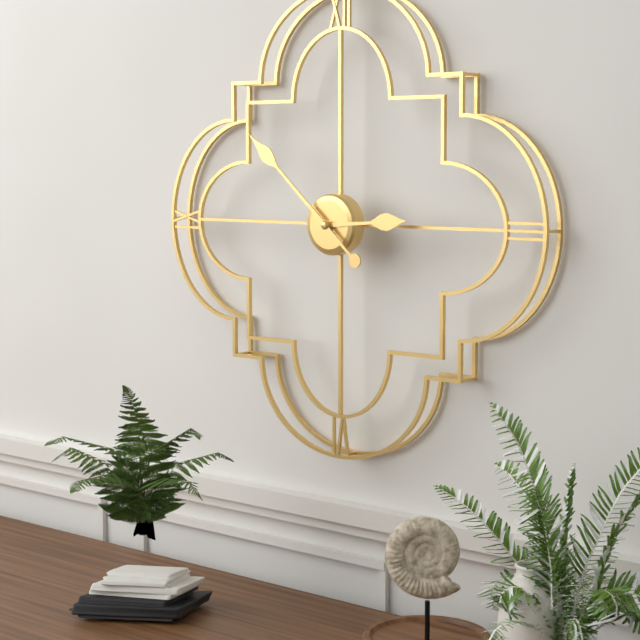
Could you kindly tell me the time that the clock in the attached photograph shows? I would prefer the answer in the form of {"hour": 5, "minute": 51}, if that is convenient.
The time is {"hour": 2, "minute": 52}
